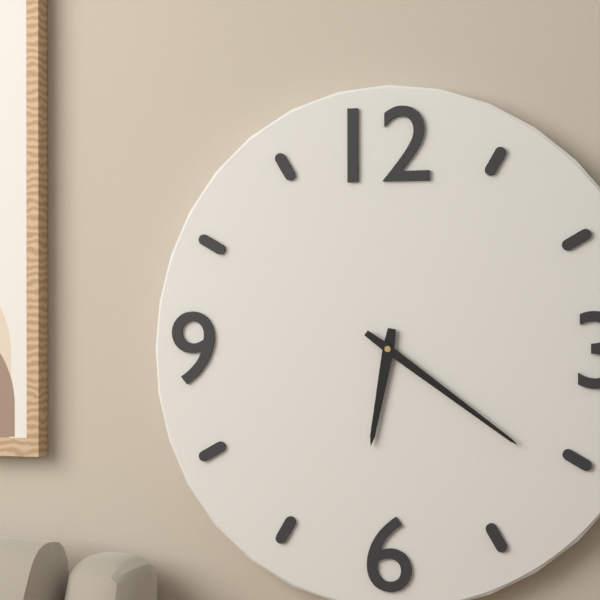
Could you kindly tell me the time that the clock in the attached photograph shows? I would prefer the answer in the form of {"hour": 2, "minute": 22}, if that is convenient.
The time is {"hour": 6, "minute": 21}
